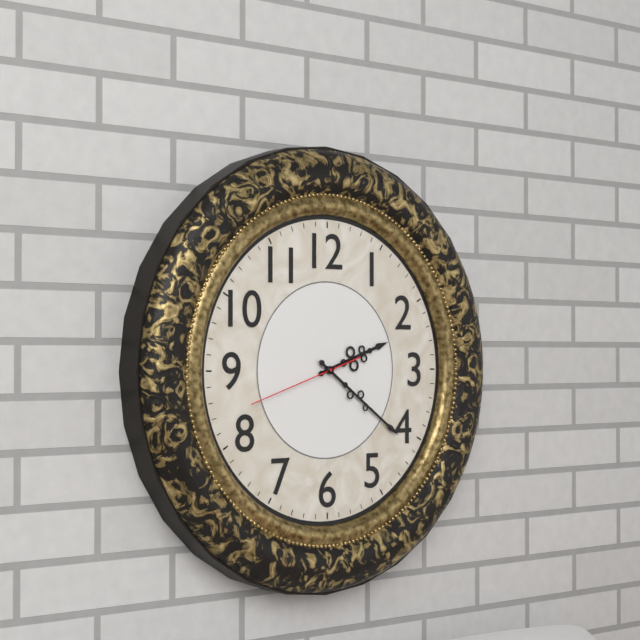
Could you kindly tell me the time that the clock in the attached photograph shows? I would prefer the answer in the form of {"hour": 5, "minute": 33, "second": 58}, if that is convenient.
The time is {"hour": 2, "minute": 21, "second": 42}
